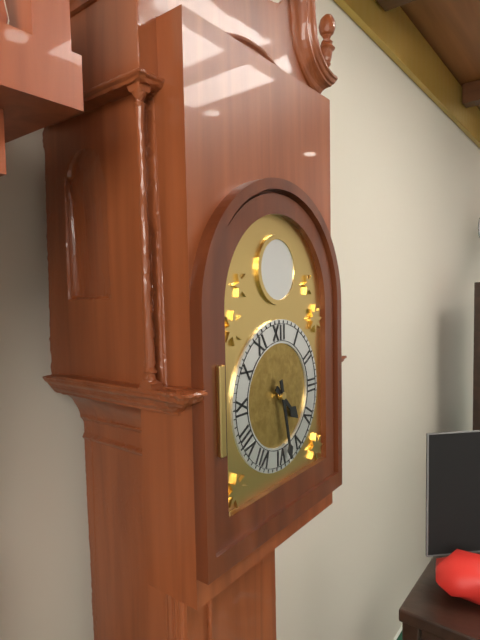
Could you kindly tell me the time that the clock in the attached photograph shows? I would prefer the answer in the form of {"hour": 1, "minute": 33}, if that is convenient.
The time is {"hour": 4, "minute": 28}
